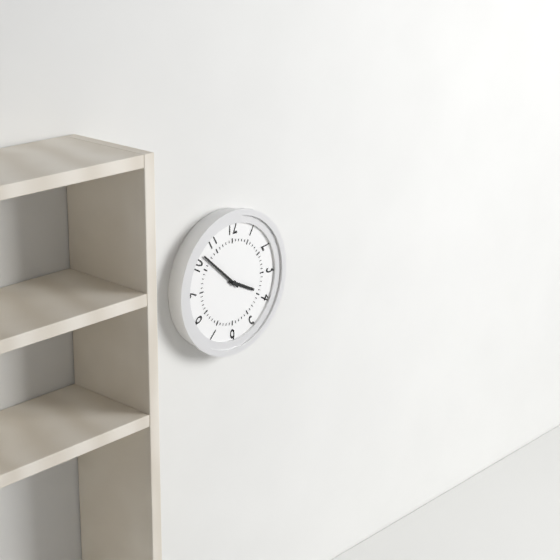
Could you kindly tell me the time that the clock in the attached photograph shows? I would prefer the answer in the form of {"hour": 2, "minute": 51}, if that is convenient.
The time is {"hour": 3, "minute": 52}
